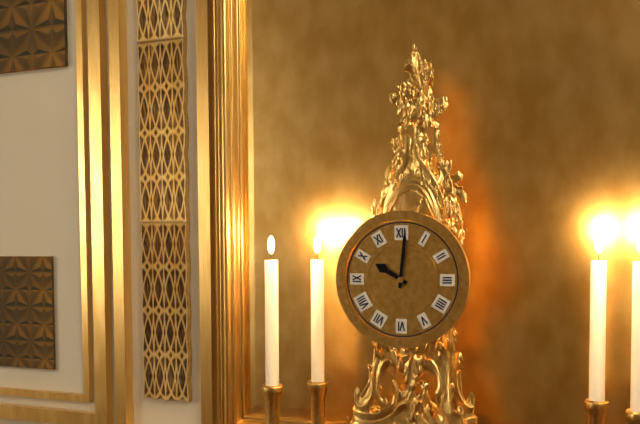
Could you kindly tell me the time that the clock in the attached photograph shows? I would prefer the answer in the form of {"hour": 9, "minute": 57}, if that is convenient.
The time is {"hour": 10, "minute": 1}
